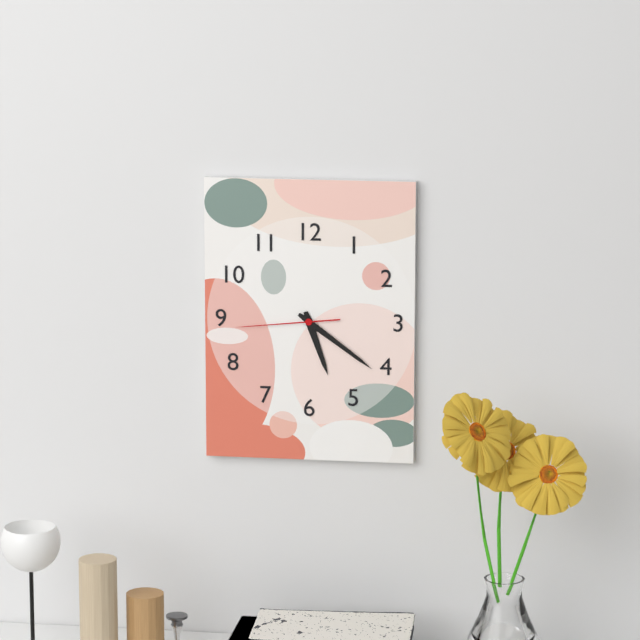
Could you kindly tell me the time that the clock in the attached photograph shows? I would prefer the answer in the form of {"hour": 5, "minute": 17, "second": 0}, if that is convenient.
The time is {"hour": 5, "minute": 21, "second": 44}
